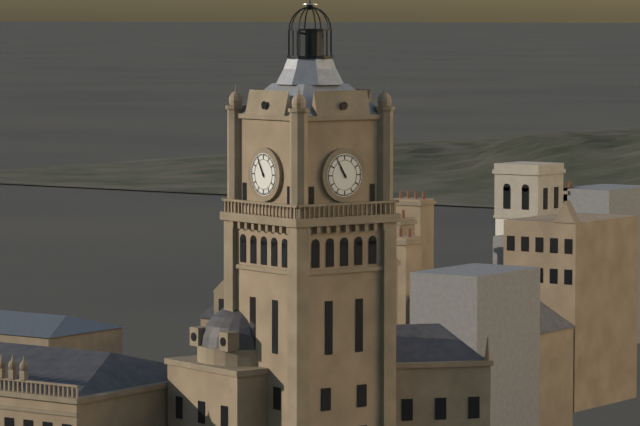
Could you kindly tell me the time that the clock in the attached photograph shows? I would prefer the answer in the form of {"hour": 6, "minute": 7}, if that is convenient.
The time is {"hour": 10, "minute": 55}
